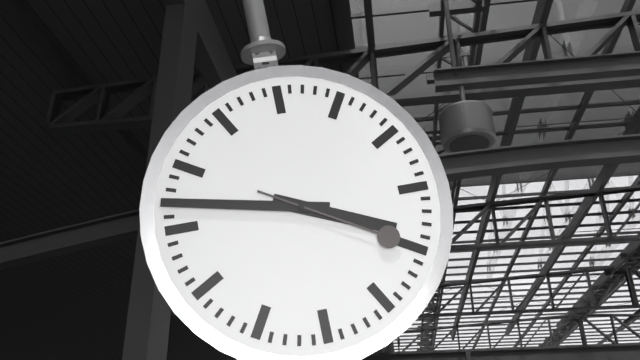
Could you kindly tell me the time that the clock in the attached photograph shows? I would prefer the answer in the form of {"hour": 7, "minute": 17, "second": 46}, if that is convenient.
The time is {"hour": 3, "minute": 47, "second": 20}
